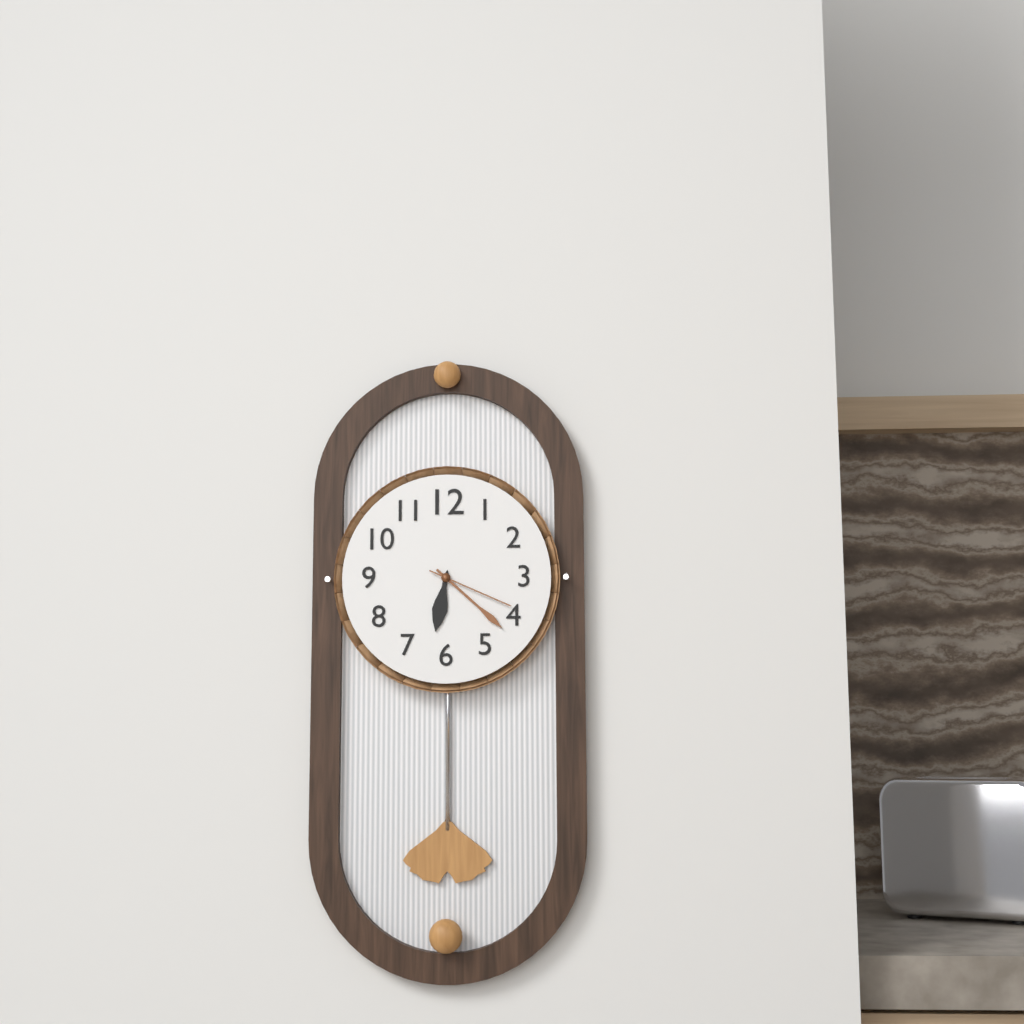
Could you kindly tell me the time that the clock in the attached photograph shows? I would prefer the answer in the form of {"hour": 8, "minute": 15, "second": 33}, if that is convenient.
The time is {"hour": 6, "minute": 22, "second": 19}
